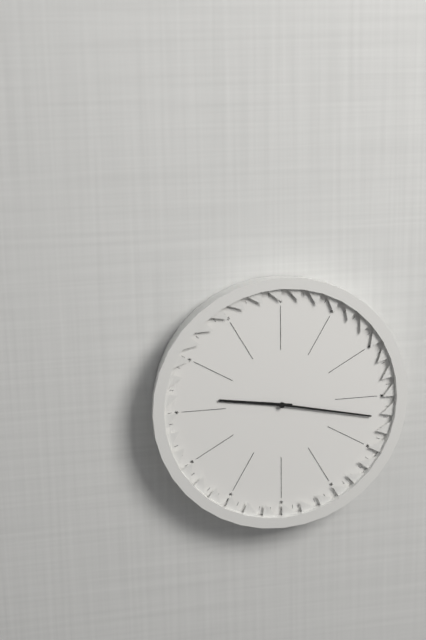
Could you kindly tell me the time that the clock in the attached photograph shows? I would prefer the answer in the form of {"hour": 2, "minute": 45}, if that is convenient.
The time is {"hour": 9, "minute": 17}
